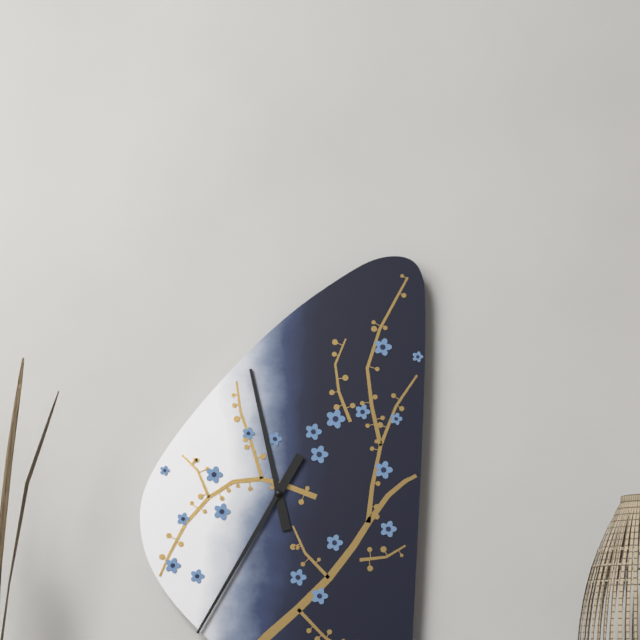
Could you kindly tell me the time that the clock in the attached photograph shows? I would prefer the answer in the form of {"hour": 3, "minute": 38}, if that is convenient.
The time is {"hour": 11, "minute": 35}
